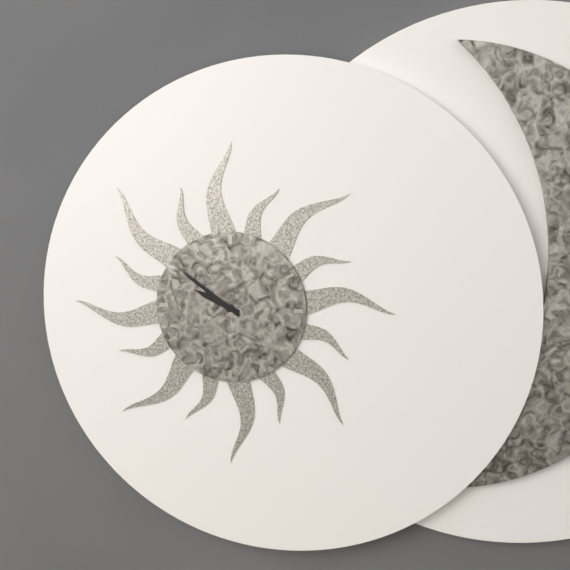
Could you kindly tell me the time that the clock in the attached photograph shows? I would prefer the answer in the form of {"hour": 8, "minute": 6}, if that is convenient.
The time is {"hour": 9, "minute": 51}
